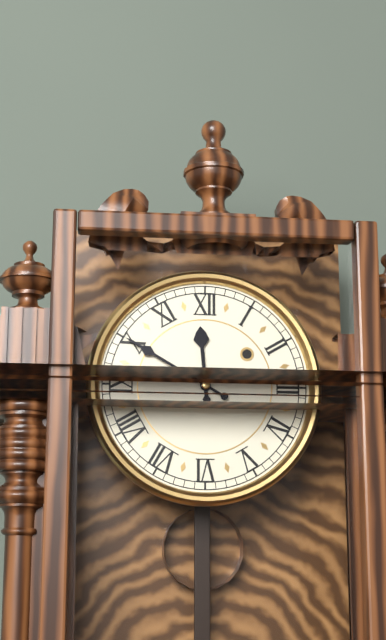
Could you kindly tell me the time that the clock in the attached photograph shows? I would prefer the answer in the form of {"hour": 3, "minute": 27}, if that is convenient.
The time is {"hour": 11, "minute": 50}
